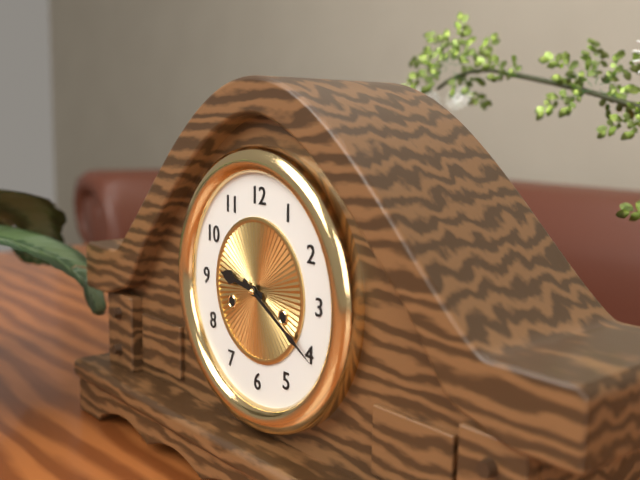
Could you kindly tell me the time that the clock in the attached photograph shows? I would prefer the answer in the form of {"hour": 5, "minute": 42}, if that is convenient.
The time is {"hour": 9, "minute": 20}
